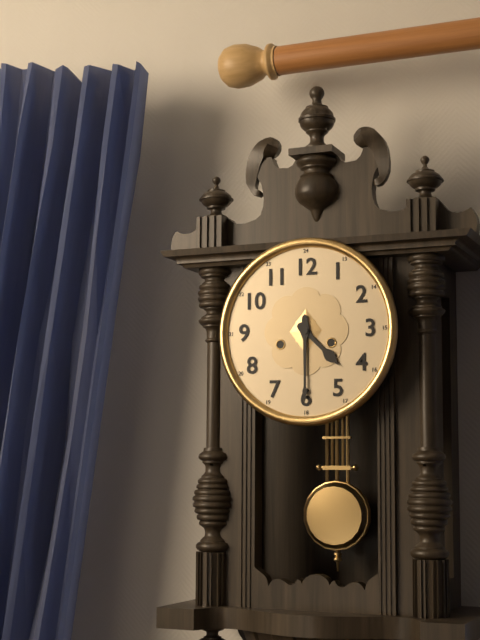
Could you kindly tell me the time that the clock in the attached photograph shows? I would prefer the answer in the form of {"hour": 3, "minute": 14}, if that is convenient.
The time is {"hour": 4, "minute": 30}
